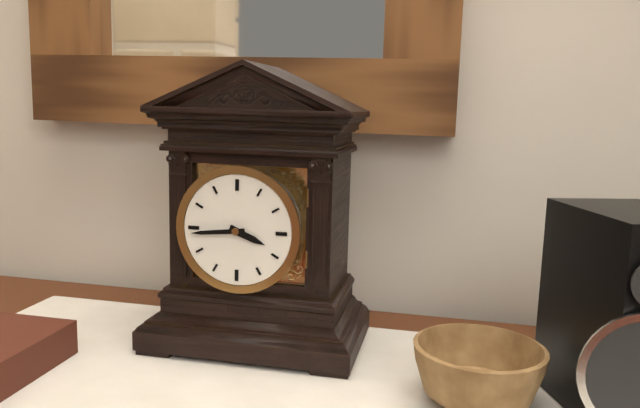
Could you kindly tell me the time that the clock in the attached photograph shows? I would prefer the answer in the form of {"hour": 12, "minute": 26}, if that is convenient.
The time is {"hour": 3, "minute": 44}
